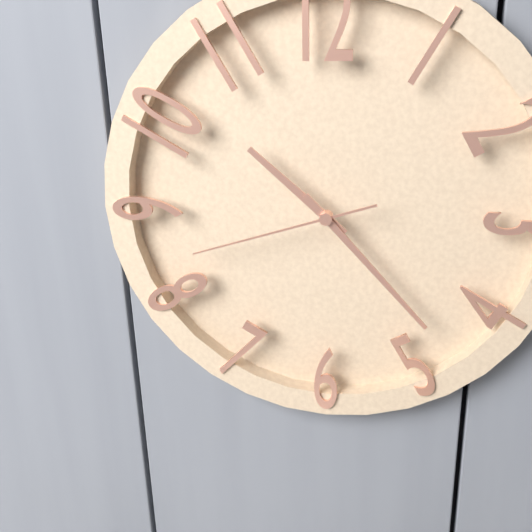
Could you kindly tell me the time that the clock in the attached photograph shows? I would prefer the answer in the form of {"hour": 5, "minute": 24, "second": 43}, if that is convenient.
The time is {"hour": 10, "minute": 23, "second": 42}
